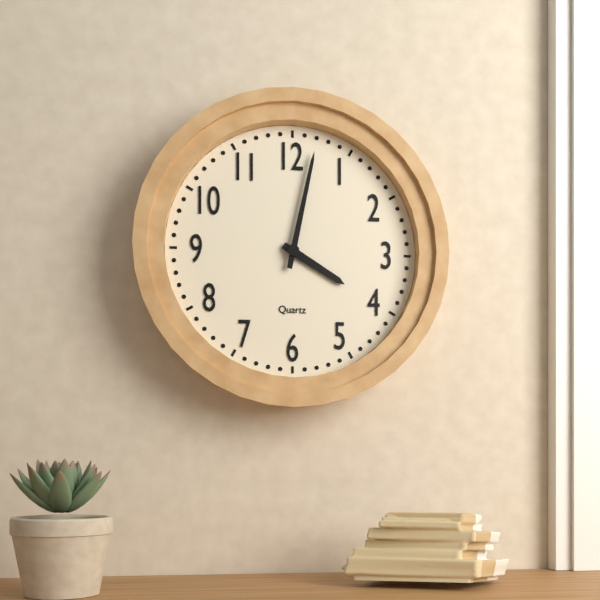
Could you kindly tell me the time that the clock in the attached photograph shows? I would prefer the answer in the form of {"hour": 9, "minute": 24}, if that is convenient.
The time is {"hour": 4, "minute": 2}
